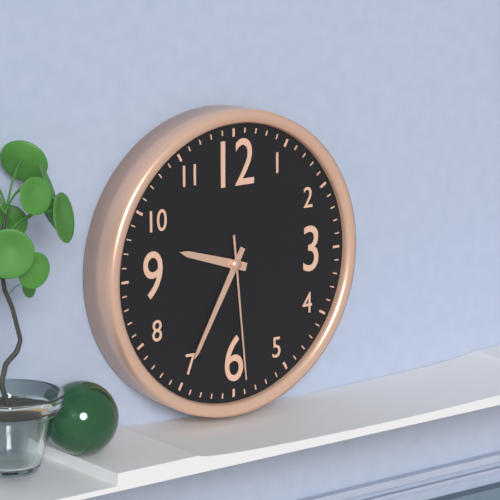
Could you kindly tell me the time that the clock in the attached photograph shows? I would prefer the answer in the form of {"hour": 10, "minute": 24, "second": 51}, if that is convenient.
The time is {"hour": 9, "minute": 35, "second": 29}
